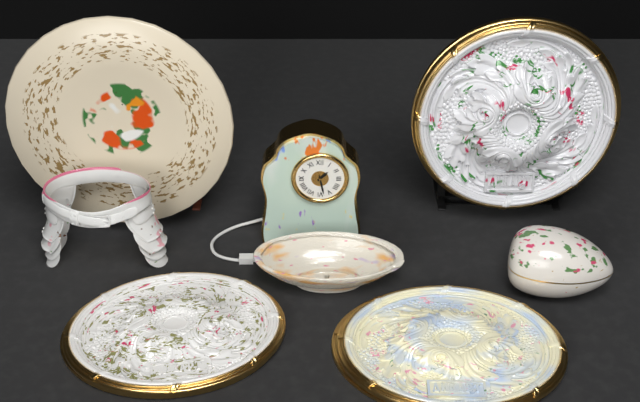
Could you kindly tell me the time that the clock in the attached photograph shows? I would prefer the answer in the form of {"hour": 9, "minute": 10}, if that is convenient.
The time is {"hour": 1, "minute": 28}
